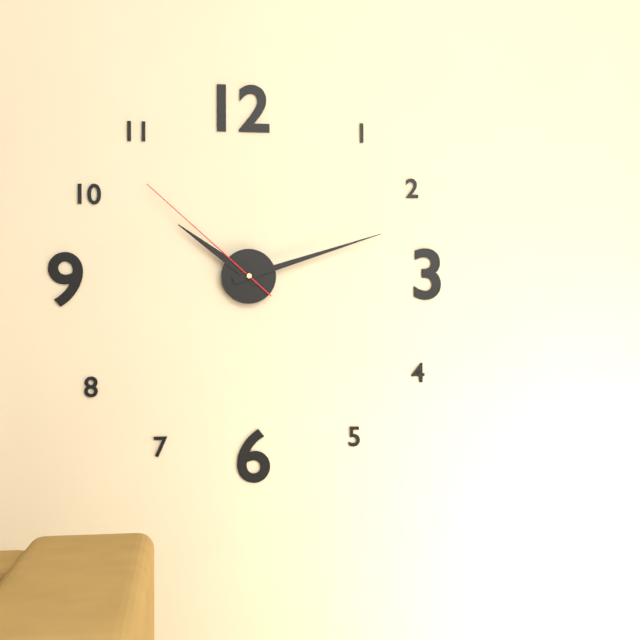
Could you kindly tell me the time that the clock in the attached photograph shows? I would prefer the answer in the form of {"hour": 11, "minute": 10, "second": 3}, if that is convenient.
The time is {"hour": 10, "minute": 12, "second": 52}
